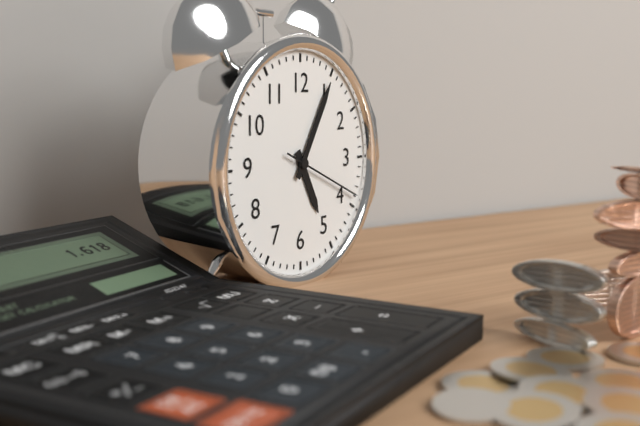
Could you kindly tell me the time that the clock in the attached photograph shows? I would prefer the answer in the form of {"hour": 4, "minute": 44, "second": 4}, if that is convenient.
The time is {"hour": 5, "minute": 5, "second": 19}
